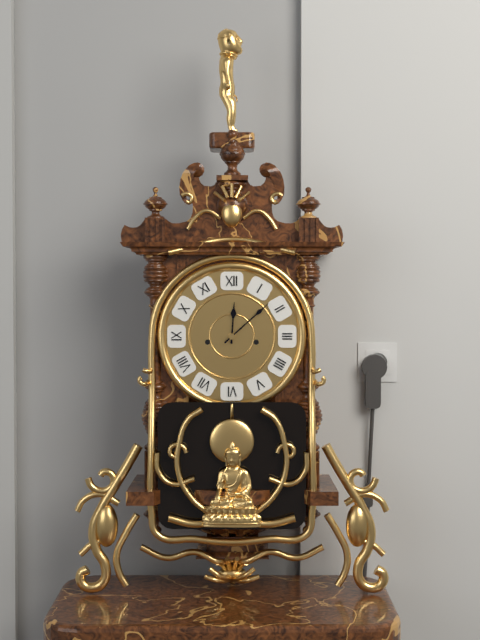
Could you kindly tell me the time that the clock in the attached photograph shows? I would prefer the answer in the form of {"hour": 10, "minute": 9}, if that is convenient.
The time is {"hour": 12, "minute": 8}
